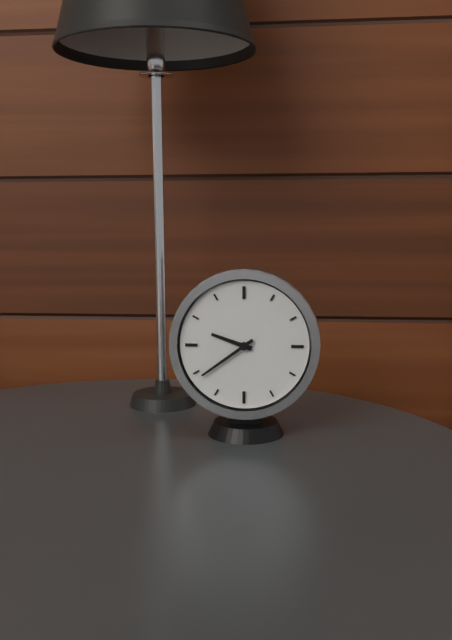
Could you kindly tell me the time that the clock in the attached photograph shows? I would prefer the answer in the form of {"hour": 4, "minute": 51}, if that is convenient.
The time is {"hour": 9, "minute": 39}
